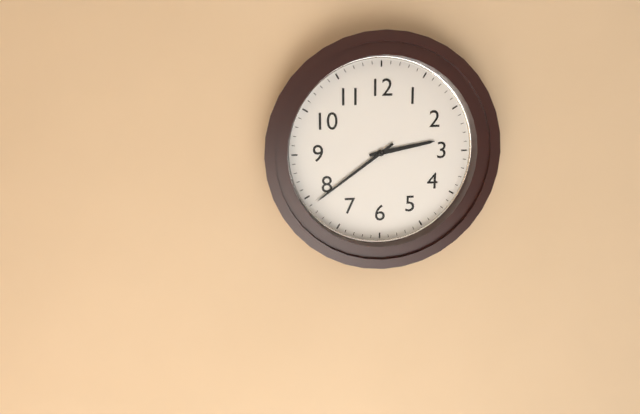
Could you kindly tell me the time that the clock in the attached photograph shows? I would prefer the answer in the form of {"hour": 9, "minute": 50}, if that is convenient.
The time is {"hour": 2, "minute": 39}
